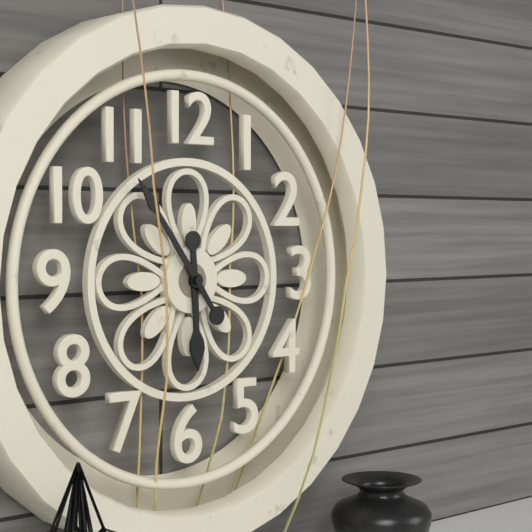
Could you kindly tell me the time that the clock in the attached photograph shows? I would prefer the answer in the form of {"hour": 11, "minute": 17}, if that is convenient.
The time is {"hour": 5, "minute": 54}
